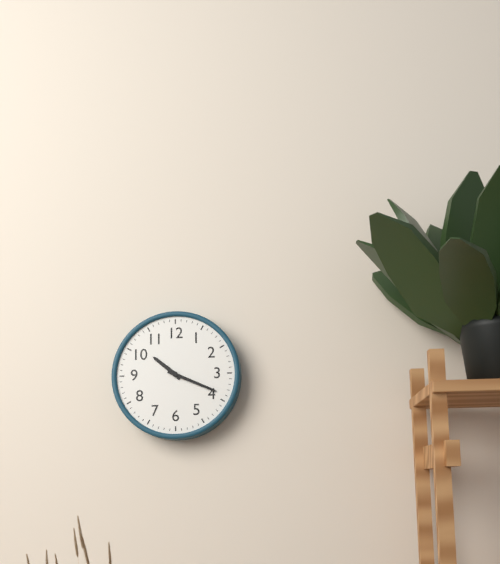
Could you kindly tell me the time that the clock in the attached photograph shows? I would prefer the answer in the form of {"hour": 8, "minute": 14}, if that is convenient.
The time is {"hour": 10, "minute": 19}
